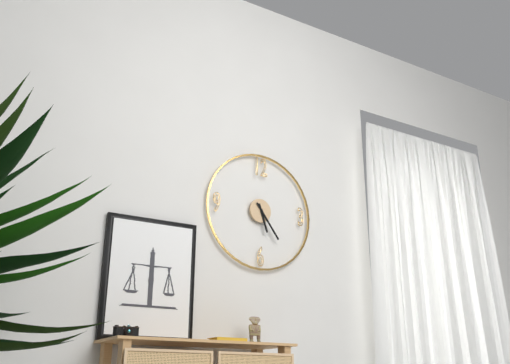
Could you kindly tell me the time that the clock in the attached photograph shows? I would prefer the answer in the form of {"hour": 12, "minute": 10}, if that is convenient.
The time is {"hour": 5, "minute": 24}
